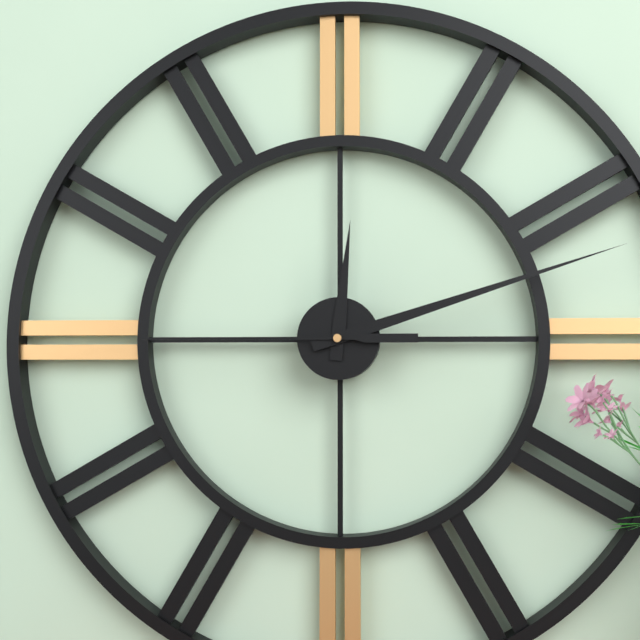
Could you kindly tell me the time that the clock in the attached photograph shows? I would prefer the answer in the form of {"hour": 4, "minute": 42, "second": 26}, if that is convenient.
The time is {"hour": 12, "minute": 12, "second": 45}
